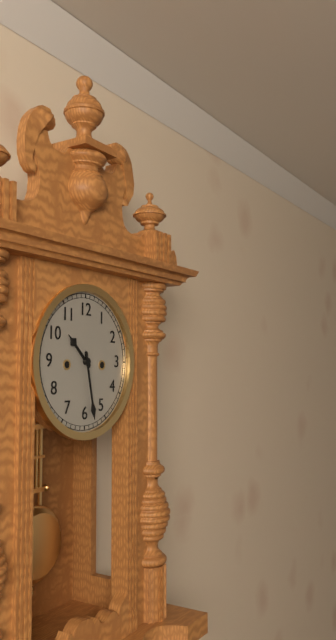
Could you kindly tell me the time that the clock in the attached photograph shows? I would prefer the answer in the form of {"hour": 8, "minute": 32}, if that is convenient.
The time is {"hour": 10, "minute": 28}
